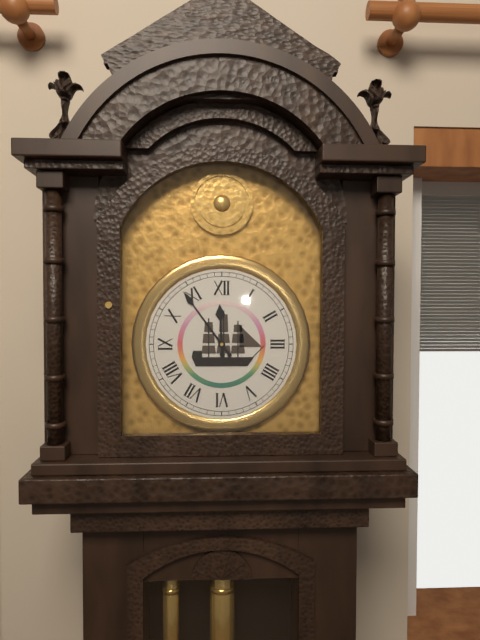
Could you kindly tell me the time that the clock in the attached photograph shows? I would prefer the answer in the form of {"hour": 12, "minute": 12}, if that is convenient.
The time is {"hour": 11, "minute": 54}
